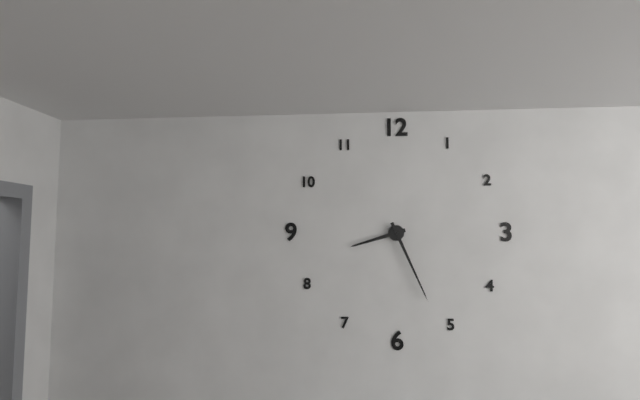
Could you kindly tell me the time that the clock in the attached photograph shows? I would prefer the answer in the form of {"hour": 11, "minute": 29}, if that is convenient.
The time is {"hour": 8, "minute": 26}
